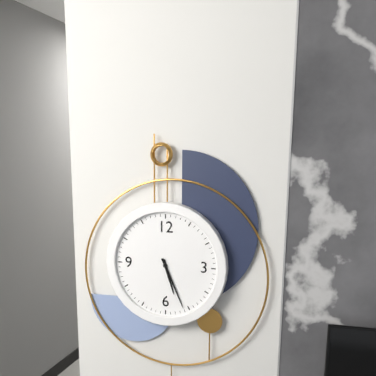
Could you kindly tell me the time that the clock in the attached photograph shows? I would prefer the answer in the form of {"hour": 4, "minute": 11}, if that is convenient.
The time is {"hour": 5, "minute": 26}
